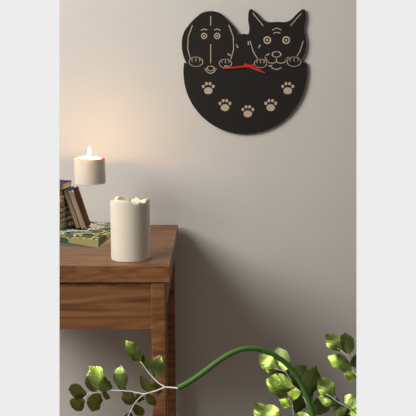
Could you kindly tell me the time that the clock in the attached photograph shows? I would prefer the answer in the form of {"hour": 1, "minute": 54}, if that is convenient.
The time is {"hour": 3, "minute": 44}
